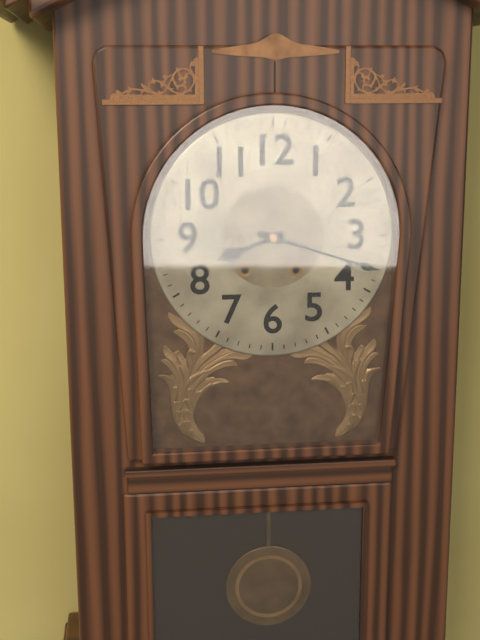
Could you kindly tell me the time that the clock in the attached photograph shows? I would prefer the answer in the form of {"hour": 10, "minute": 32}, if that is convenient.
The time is {"hour": 8, "minute": 18}
